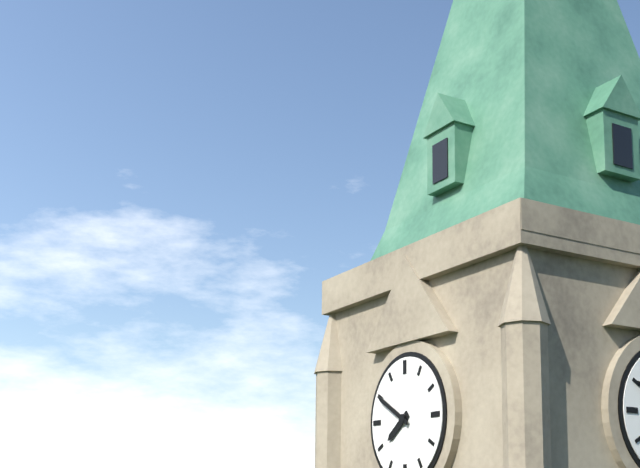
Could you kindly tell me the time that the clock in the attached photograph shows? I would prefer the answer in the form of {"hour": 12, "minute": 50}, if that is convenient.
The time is {"hour": 7, "minute": 50}
